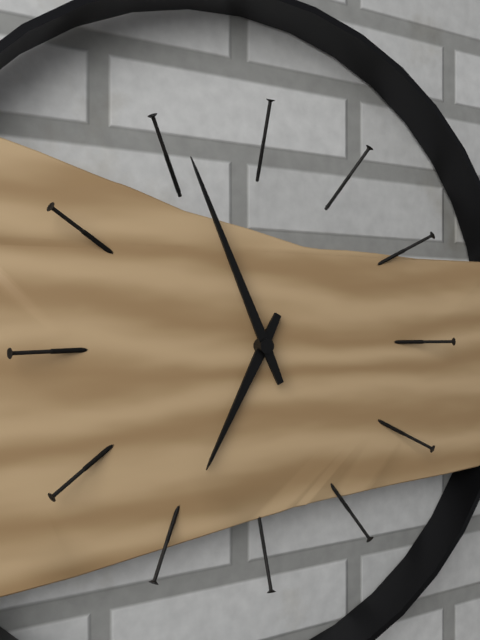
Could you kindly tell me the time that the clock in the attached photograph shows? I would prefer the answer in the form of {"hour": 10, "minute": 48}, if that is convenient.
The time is {"hour": 6, "minute": 56}
